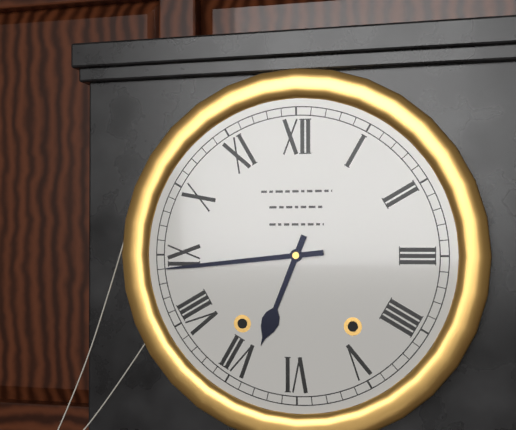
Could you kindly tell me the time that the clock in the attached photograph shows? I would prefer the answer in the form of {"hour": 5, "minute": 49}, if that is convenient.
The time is {"hour": 6, "minute": 44}
